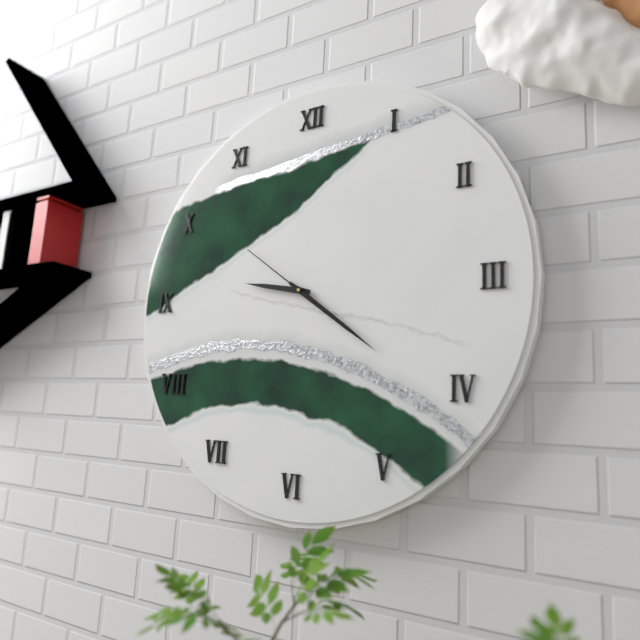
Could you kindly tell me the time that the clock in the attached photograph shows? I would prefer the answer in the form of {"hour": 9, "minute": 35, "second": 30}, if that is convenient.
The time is {"hour": 9, "minute": 21, "second": 51}
